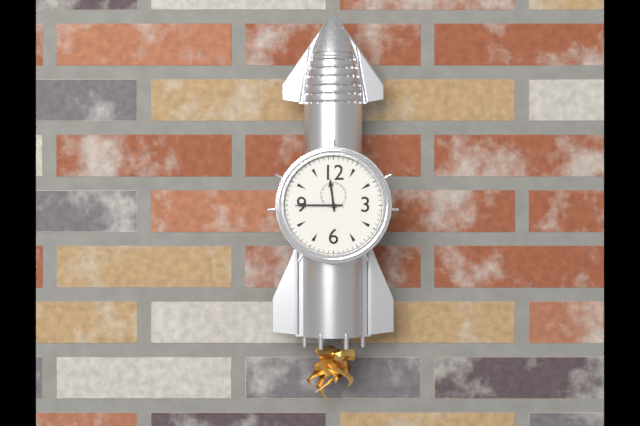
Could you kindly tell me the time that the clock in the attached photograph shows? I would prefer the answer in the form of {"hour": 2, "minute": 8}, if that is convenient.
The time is {"hour": 11, "minute": 45}
